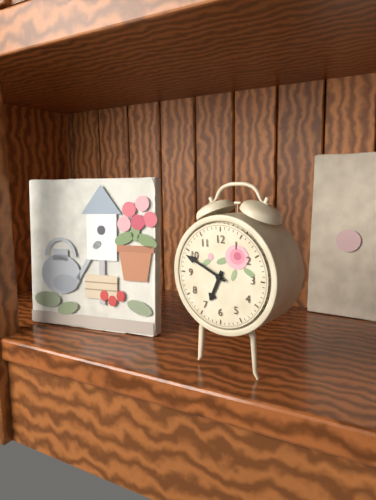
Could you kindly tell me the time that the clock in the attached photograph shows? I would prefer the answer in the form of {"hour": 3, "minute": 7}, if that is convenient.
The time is {"hour": 6, "minute": 49}
